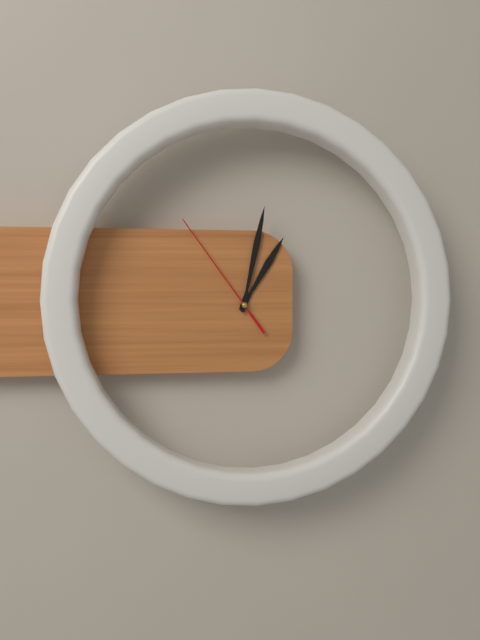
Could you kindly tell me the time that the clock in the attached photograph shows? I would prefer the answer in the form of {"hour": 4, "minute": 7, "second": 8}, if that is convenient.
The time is {"hour": 1, "minute": 2, "second": 54}
